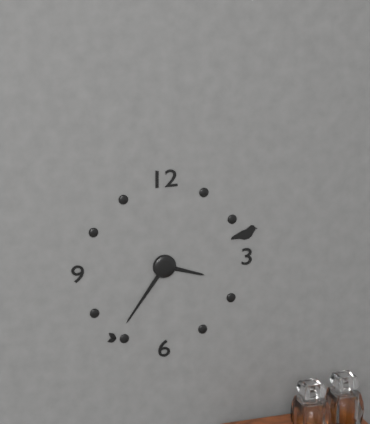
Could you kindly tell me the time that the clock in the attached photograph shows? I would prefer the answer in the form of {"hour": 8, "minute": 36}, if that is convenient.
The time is {"hour": 3, "minute": 36}
